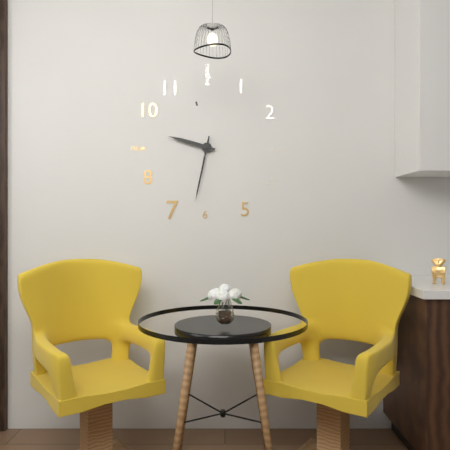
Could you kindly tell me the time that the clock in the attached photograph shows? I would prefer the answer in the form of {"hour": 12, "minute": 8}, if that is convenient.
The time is {"hour": 9, "minute": 32}
